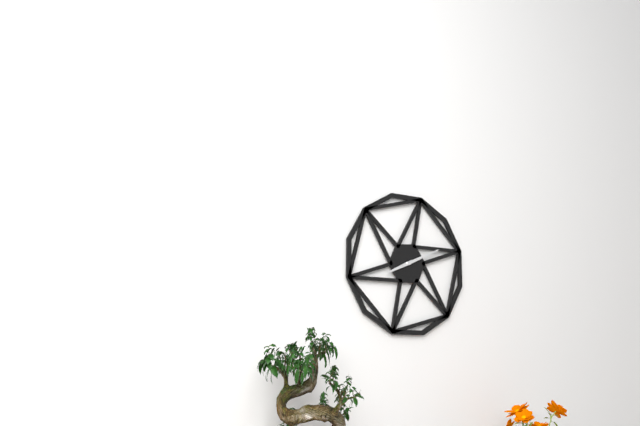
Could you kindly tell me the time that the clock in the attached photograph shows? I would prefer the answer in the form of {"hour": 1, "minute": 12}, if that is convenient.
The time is {"hour": 8, "minute": 11}
